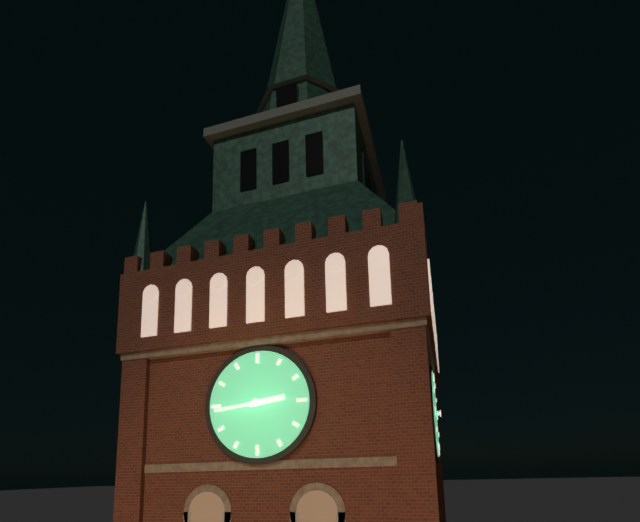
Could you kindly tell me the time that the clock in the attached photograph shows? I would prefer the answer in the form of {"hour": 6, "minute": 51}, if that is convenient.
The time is {"hour": 2, "minute": 44}
